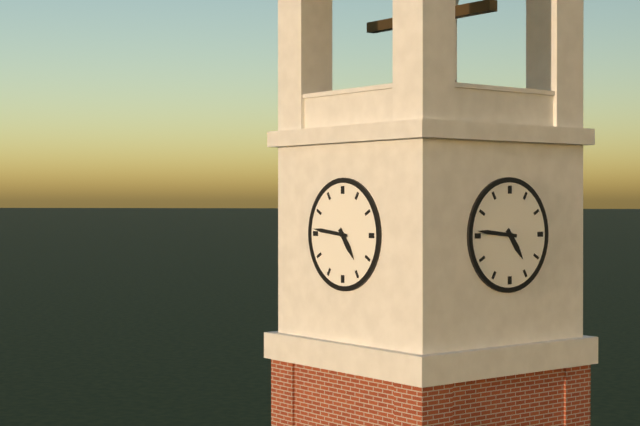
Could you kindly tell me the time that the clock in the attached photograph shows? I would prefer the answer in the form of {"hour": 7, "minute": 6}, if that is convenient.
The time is {"hour": 4, "minute": 46}
